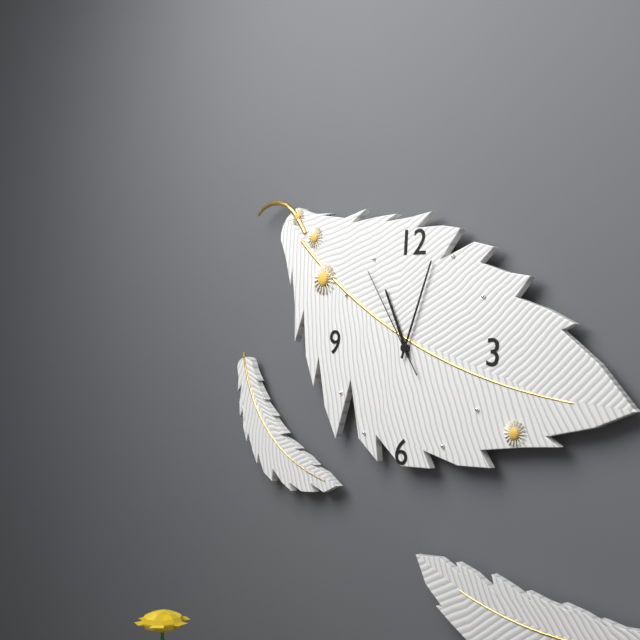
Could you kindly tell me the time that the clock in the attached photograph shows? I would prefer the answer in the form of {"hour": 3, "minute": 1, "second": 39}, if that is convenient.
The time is {"hour": 11, "minute": 3, "second": 54}
